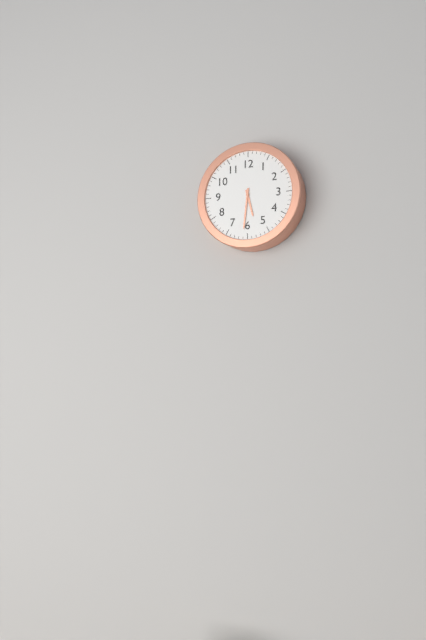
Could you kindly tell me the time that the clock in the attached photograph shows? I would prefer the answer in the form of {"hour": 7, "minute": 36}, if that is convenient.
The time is {"hour": 5, "minute": 31}
